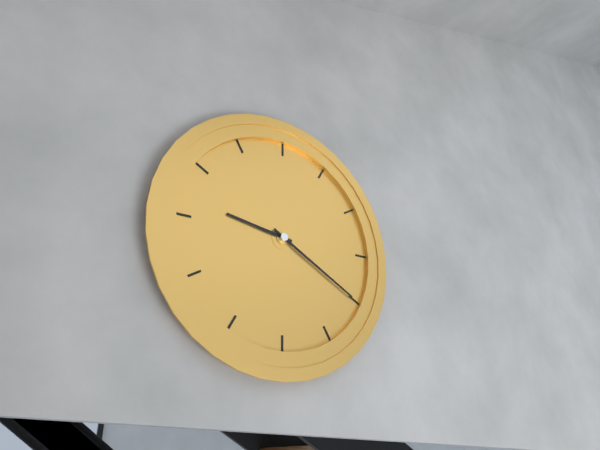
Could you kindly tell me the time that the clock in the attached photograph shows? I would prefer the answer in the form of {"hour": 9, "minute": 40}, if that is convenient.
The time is {"hour": 9, "minute": 20}
